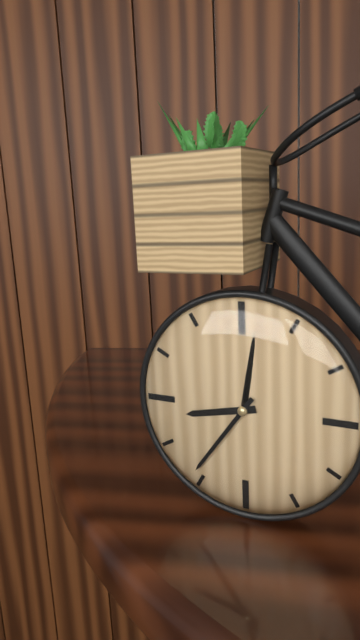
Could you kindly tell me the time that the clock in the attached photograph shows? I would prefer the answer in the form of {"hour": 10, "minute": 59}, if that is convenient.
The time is {"hour": 8, "minute": 36}
